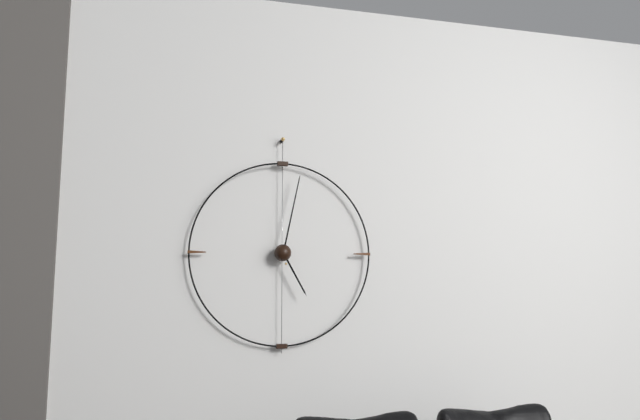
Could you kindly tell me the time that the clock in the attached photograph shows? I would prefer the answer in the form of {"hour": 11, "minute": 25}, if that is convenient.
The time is {"hour": 5, "minute": 2}
